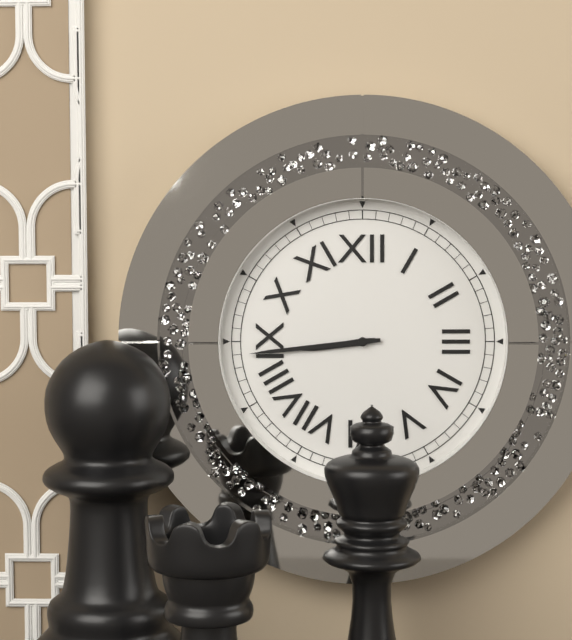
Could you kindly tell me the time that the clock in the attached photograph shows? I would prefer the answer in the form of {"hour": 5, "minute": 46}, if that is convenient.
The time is {"hour": 8, "minute": 44}
